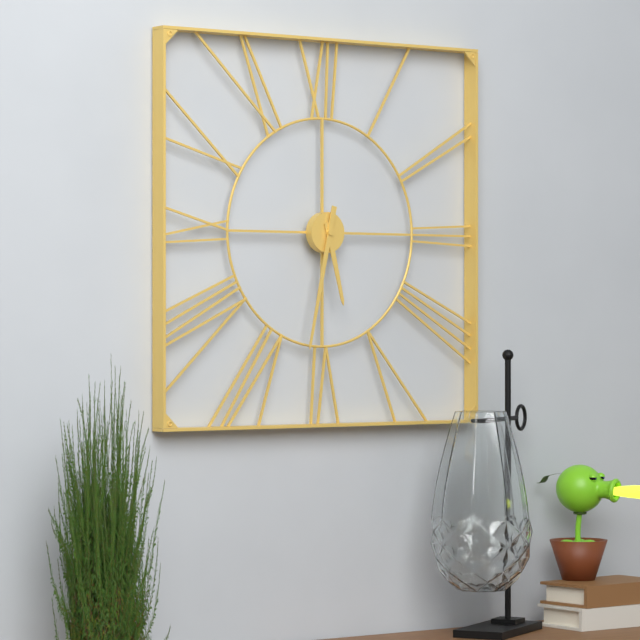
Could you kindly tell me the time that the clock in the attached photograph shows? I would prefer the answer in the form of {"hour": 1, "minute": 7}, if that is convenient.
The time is {"hour": 5, "minute": 32}
